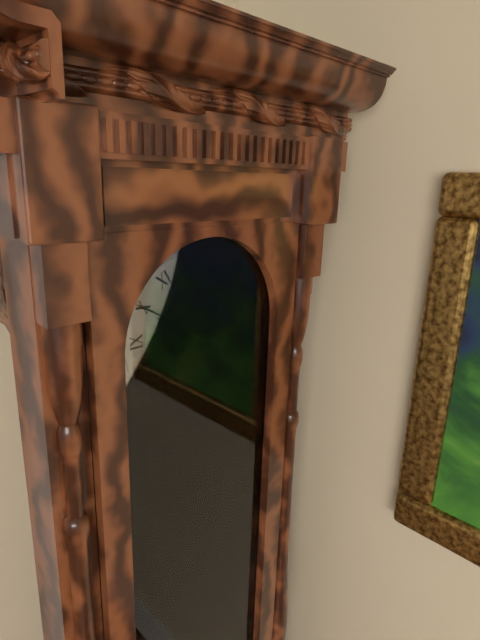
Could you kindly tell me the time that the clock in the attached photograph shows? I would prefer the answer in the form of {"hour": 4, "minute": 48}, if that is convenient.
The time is {"hour": 9, "minute": 50}
